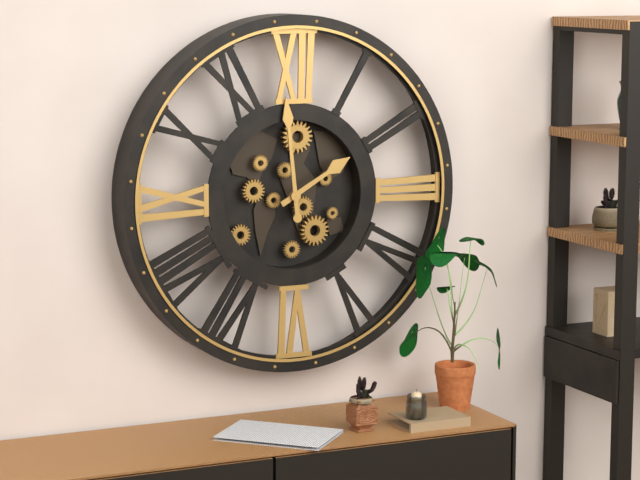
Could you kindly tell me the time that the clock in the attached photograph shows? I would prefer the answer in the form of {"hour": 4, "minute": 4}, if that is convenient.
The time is {"hour": 1, "minute": 59}
